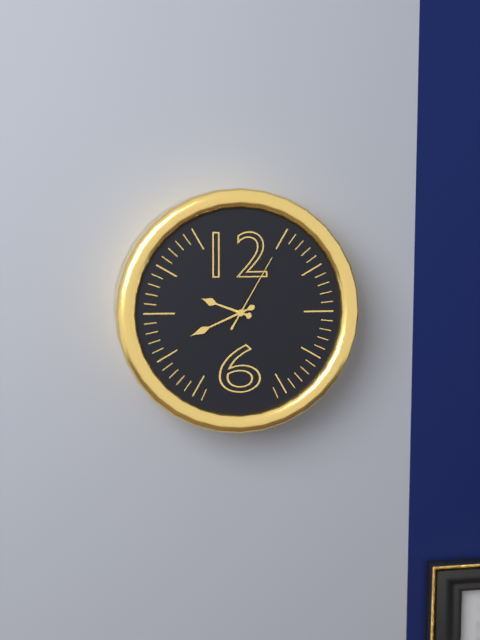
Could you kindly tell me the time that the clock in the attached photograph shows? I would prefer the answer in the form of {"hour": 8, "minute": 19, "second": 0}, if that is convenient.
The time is {"hour": 9, "minute": 41, "second": 5}
